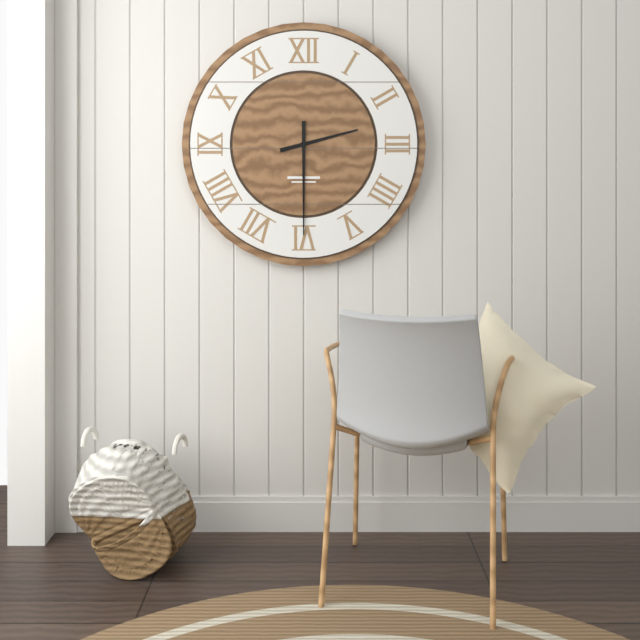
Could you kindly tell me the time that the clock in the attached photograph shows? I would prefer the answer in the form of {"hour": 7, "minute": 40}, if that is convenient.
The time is {"hour": 2, "minute": 30}
